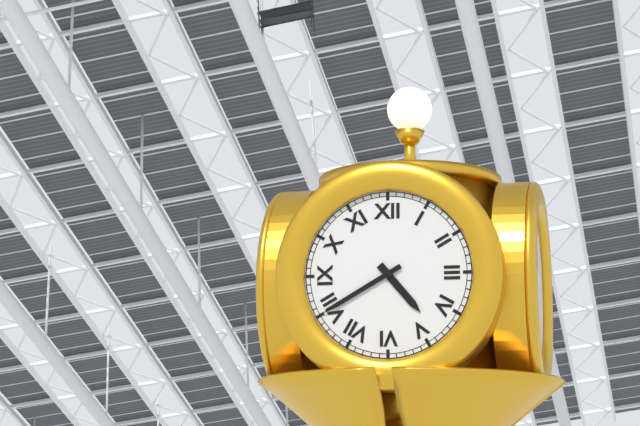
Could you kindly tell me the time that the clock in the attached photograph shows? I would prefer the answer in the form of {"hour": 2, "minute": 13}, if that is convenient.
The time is {"hour": 4, "minute": 40}
